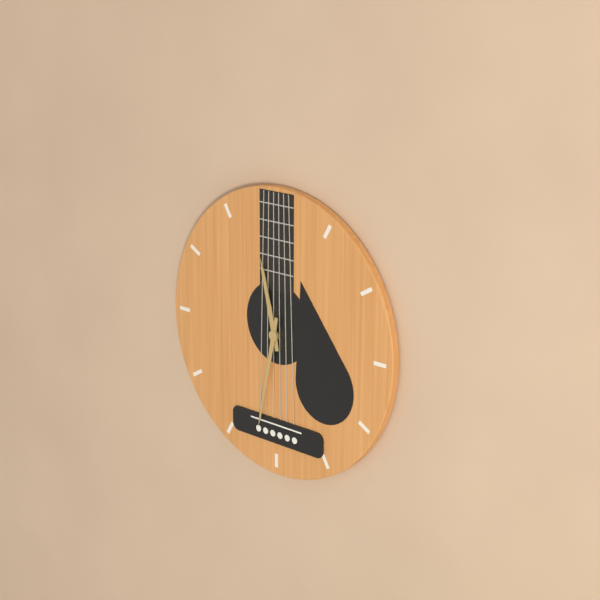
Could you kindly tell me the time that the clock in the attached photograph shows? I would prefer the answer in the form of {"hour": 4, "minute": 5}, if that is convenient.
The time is {"hour": 11, "minute": 32}
